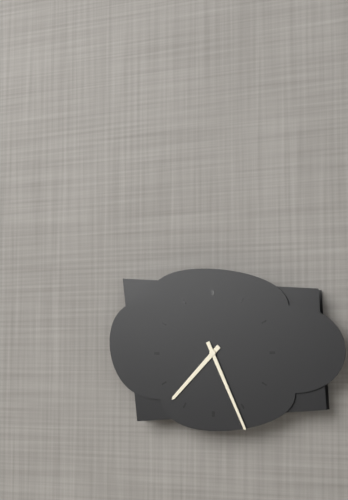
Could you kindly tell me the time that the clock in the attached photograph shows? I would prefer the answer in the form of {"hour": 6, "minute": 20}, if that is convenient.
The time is {"hour": 7, "minute": 26}
